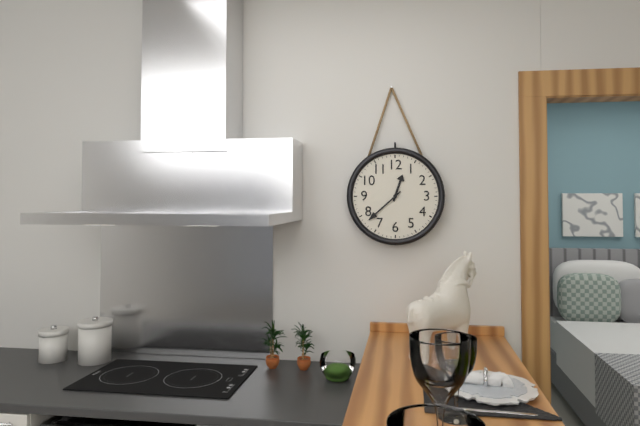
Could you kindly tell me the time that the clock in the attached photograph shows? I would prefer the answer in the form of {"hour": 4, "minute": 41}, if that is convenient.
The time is {"hour": 12, "minute": 38}
